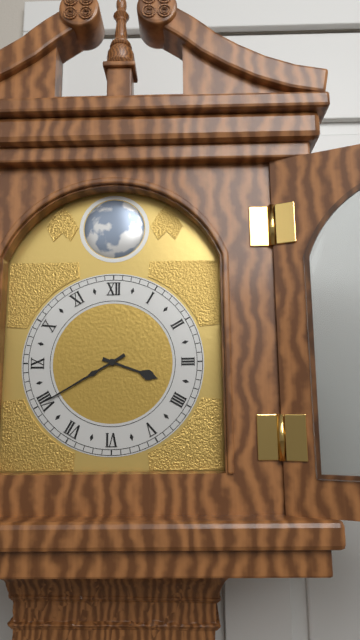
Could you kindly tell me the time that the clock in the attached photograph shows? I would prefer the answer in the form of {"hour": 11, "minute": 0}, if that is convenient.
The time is {"hour": 3, "minute": 40}
